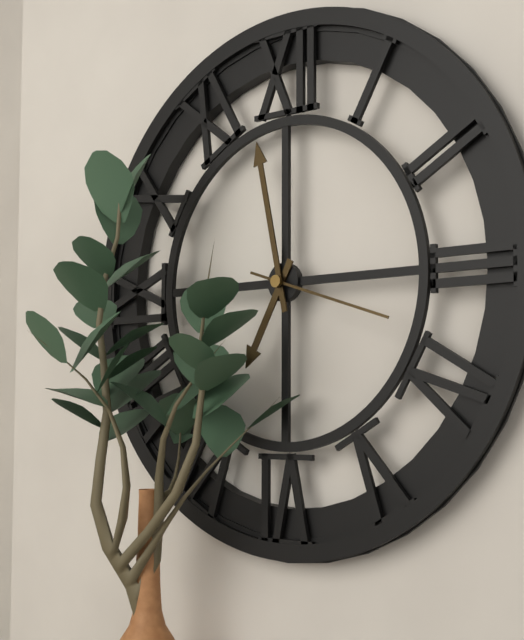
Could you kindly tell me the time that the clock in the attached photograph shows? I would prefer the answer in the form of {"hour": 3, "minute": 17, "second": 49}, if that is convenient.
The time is {"hour": 6, "minute": 58, "second": 18}
